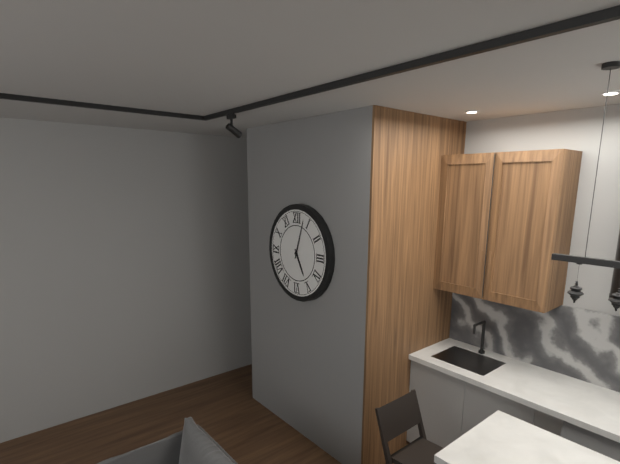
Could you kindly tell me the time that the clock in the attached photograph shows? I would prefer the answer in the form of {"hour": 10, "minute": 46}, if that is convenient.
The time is {"hour": 5, "minute": 3}
